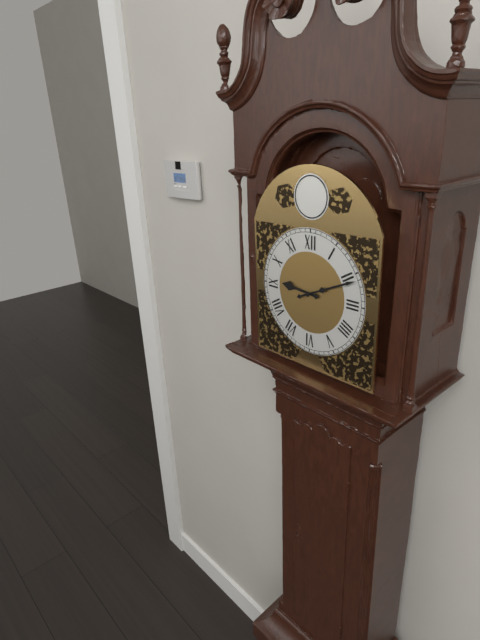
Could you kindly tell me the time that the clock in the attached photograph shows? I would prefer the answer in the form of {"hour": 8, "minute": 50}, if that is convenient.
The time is {"hour": 9, "minute": 11}
